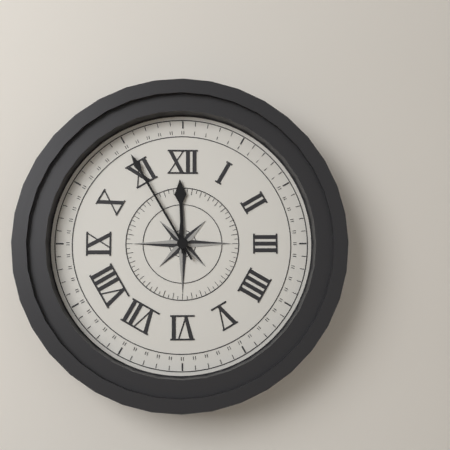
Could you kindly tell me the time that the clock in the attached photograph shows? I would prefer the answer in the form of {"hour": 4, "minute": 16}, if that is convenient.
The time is {"hour": 11, "minute": 55}
